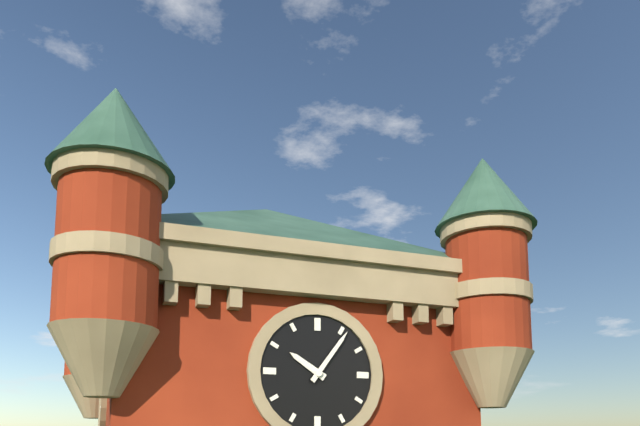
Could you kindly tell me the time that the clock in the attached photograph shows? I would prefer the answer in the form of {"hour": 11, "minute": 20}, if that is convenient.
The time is {"hour": 10, "minute": 6}
